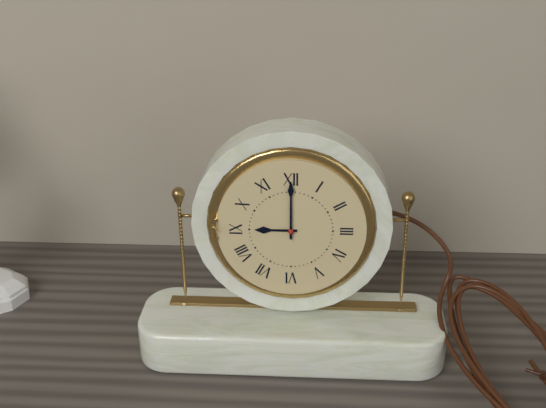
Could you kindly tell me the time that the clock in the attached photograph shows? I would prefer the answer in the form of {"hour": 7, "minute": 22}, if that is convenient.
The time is {"hour": 9, "minute": 0}
